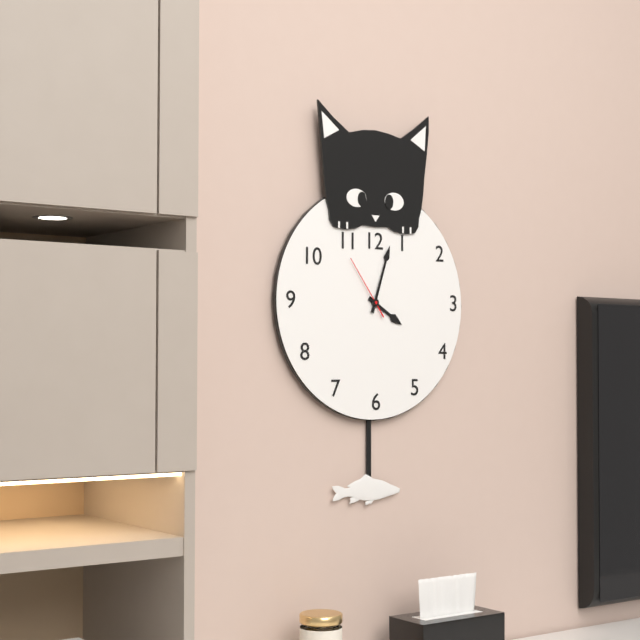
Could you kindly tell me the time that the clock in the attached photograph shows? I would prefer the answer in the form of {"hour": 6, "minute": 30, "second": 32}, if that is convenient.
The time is {"hour": 4, "minute": 3, "second": 54}
